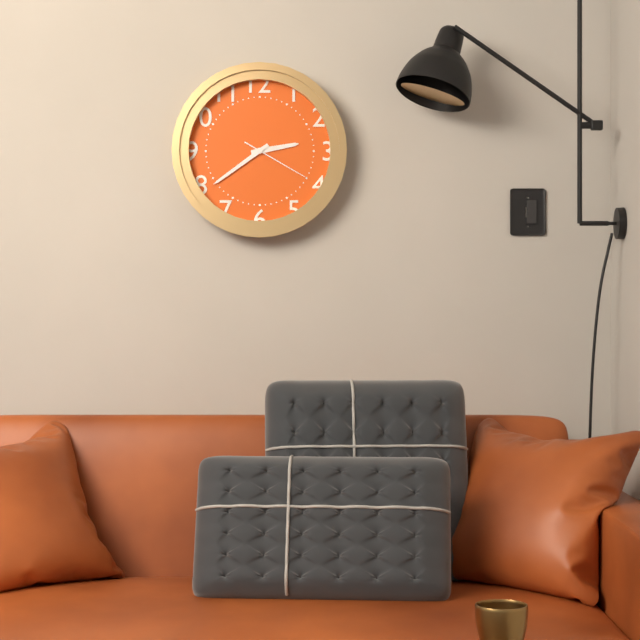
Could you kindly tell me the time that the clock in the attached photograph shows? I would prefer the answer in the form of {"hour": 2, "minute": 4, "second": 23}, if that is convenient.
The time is {"hour": 2, "minute": 39, "second": 20}
